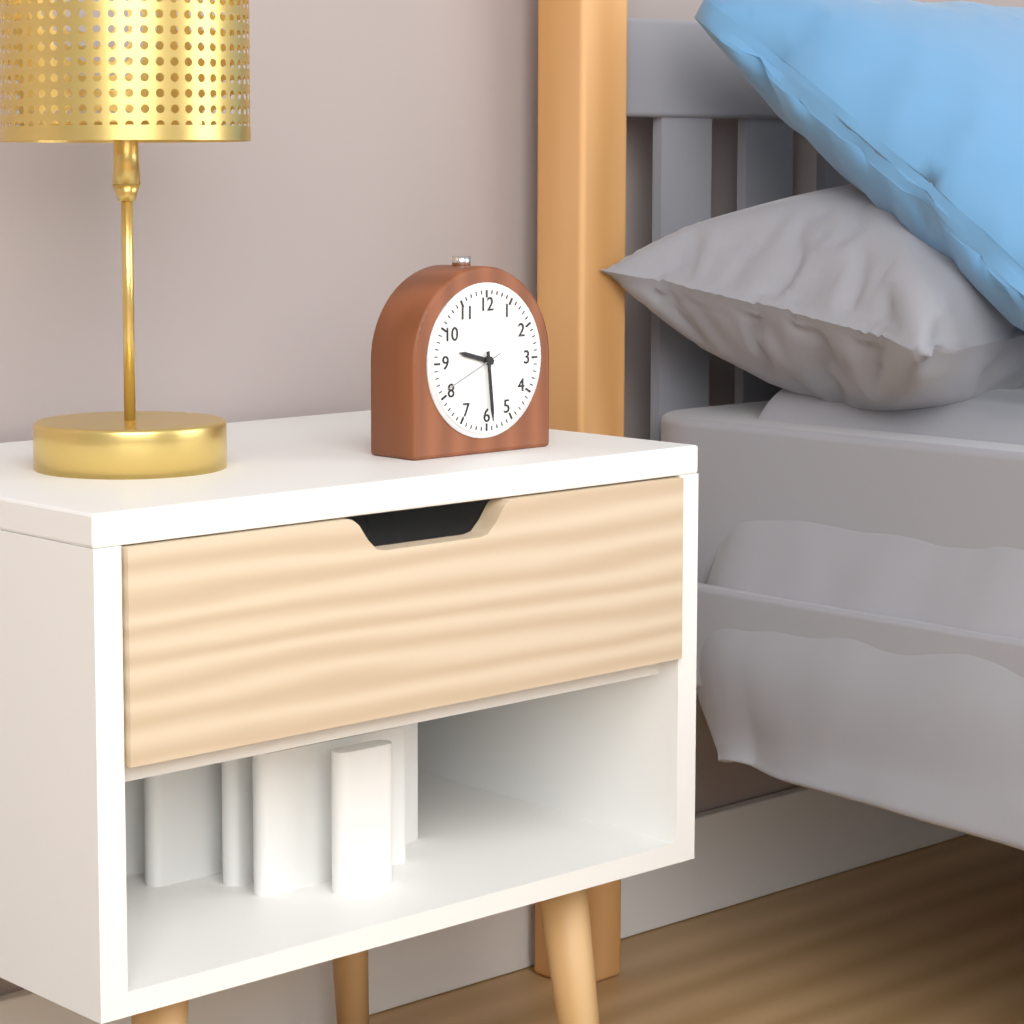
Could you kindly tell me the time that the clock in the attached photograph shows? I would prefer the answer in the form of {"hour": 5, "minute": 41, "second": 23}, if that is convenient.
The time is {"hour": 9, "minute": 29, "second": 41}
